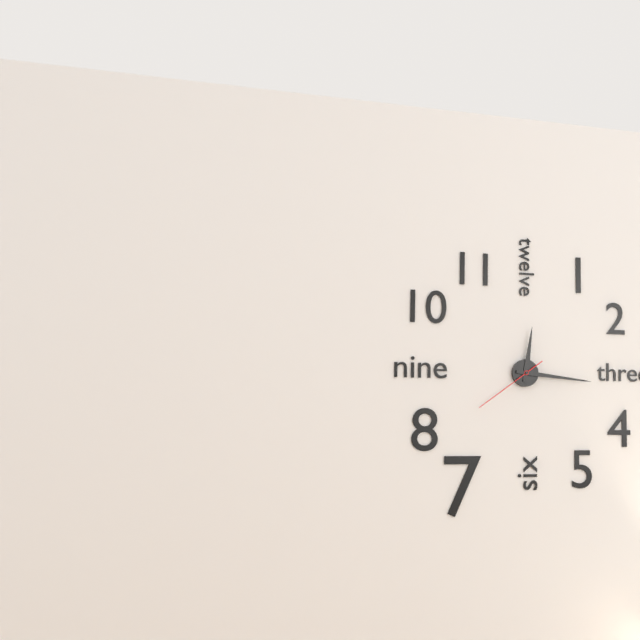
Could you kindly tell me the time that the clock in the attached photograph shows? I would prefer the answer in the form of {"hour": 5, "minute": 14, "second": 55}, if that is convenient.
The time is {"hour": 12, "minute": 16, "second": 39}
